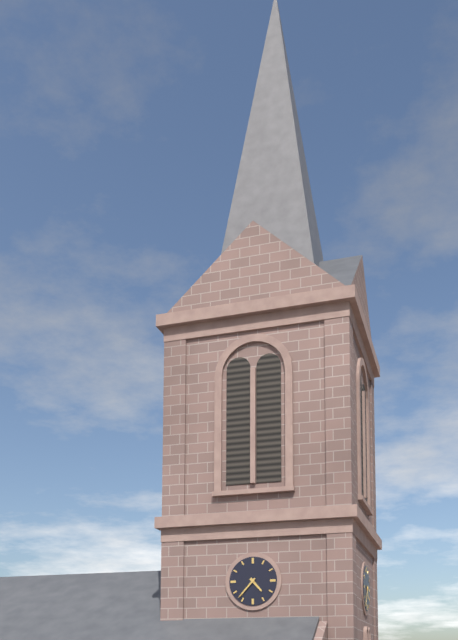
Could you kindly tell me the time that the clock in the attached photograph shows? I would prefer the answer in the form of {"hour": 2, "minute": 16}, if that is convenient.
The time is {"hour": 4, "minute": 37}
